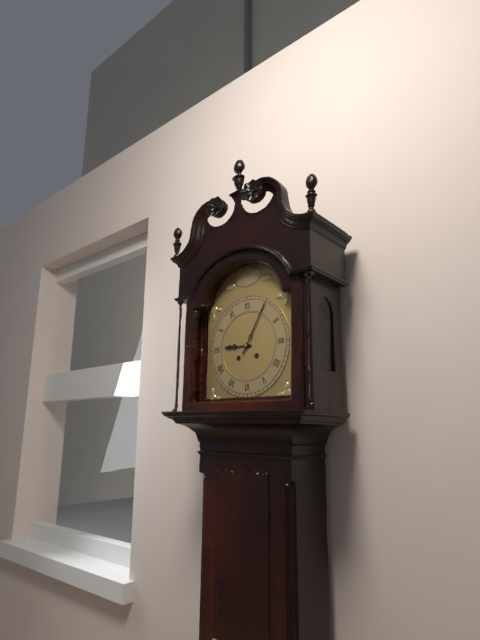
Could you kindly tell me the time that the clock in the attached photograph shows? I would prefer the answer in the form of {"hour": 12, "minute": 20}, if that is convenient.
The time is {"hour": 9, "minute": 5}
